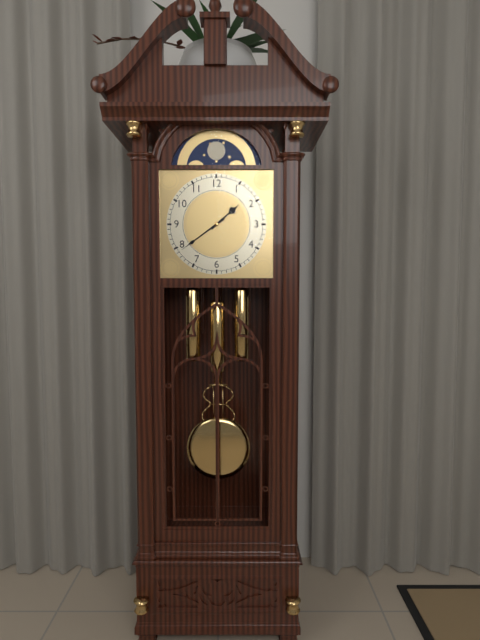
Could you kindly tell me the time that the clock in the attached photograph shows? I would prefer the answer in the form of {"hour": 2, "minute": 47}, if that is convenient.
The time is {"hour": 1, "minute": 39}
